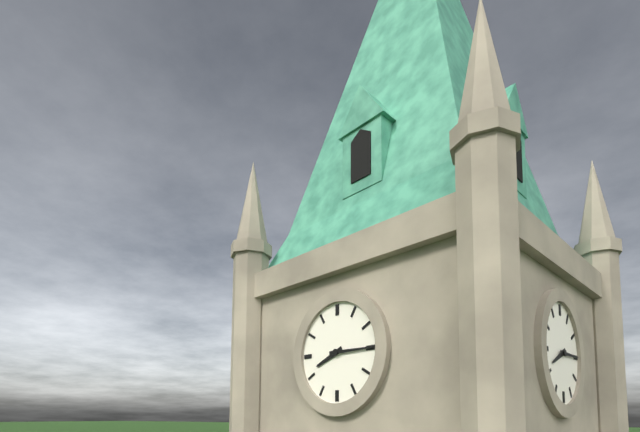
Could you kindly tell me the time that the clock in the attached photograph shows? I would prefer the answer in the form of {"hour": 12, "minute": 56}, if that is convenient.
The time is {"hour": 8, "minute": 15}
